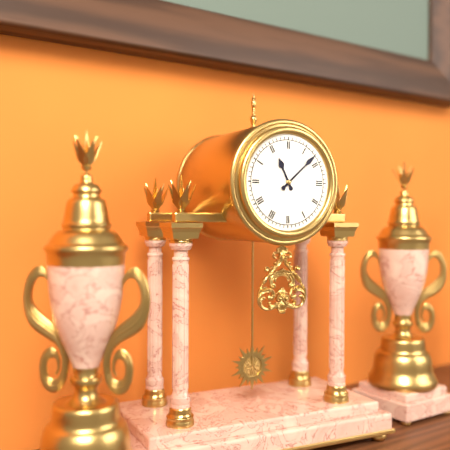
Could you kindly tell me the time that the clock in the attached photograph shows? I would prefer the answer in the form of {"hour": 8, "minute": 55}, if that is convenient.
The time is {"hour": 11, "minute": 8}
